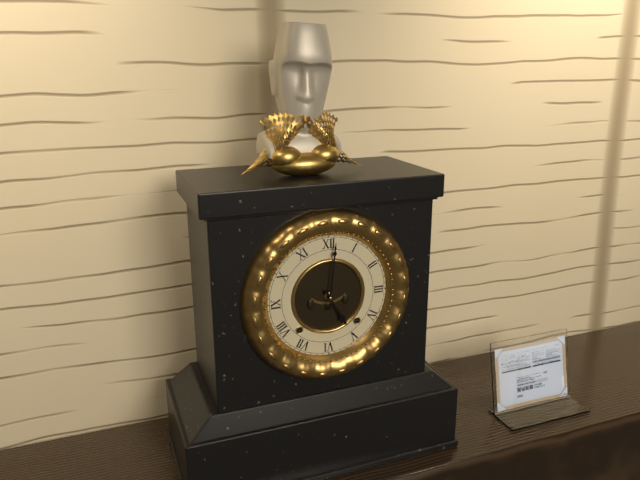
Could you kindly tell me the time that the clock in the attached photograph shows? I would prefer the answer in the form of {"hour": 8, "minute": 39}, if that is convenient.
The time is {"hour": 5, "minute": 1}
